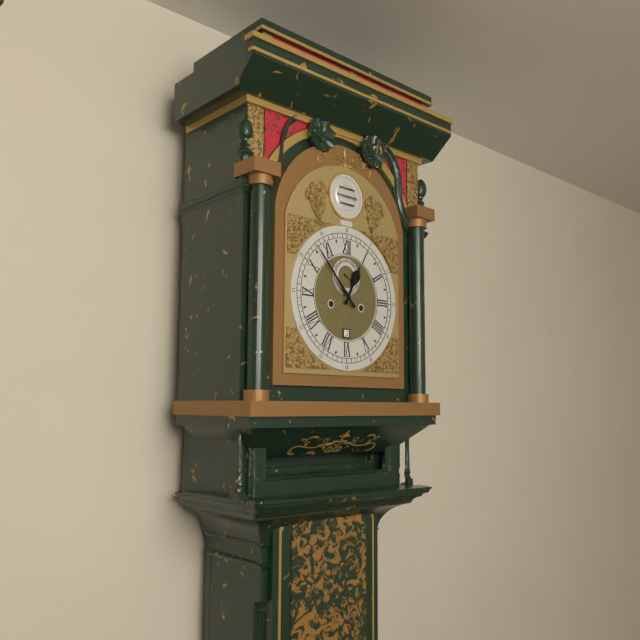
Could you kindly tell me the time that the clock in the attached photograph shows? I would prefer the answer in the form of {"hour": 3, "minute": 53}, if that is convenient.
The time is {"hour": 12, "minute": 53}
